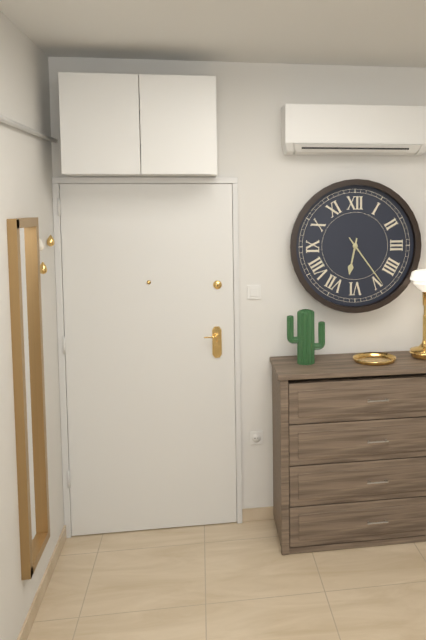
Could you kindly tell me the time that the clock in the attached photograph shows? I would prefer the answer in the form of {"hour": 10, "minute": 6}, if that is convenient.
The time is {"hour": 6, "minute": 24}
